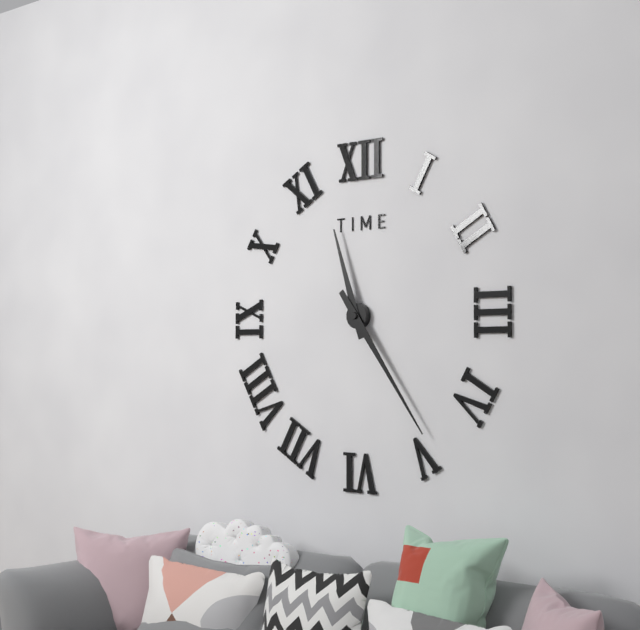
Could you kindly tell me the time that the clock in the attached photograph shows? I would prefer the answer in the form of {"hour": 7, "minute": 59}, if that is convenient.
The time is {"hour": 11, "minute": 24}
